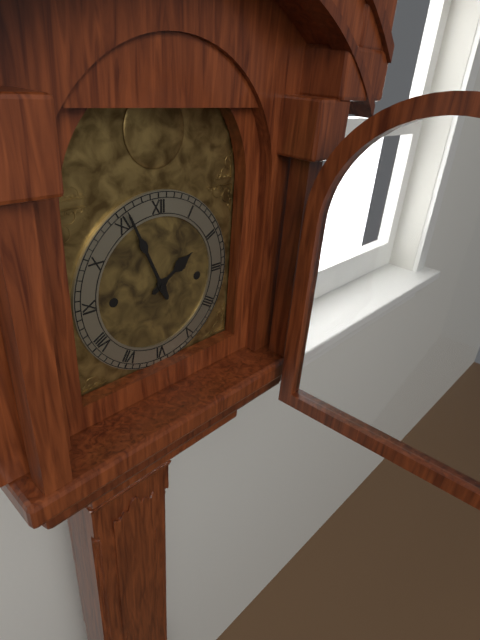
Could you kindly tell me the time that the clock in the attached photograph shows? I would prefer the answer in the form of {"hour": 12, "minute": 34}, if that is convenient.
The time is {"hour": 1, "minute": 56}
